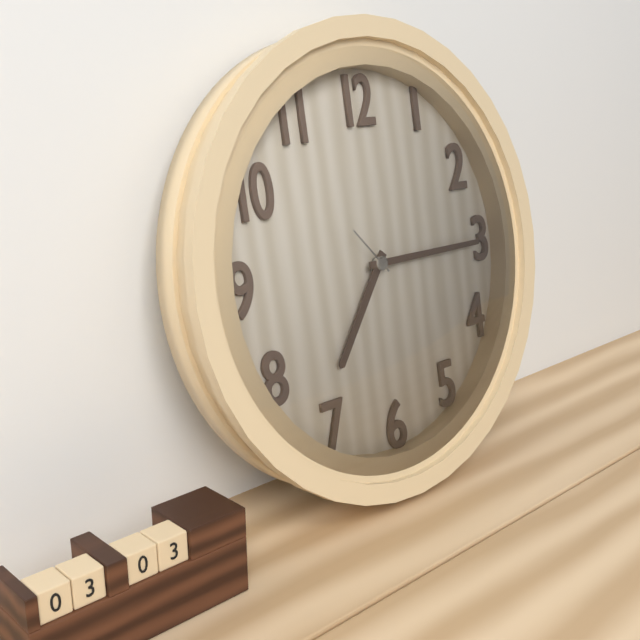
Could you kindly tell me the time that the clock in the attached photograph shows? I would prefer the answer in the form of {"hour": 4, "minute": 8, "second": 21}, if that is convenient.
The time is {"hour": 7, "minute": 15, "second": 53}
